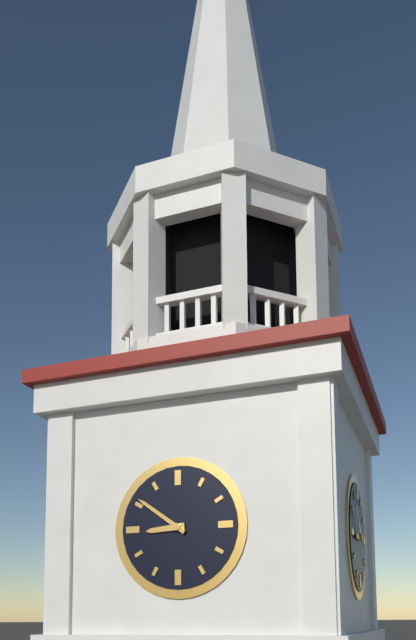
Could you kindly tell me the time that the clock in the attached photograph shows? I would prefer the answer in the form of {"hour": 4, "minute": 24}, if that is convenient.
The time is {"hour": 8, "minute": 51}
